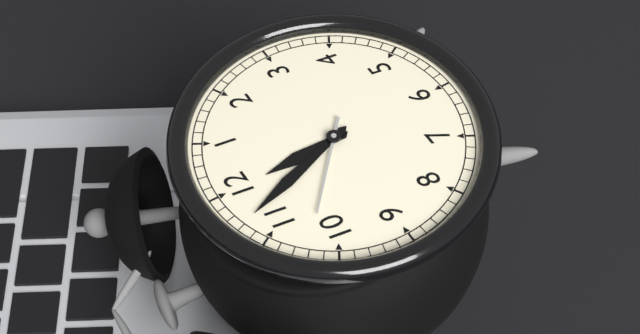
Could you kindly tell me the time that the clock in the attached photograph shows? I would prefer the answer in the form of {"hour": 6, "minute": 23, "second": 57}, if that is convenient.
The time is {"hour": 11, "minute": 57, "second": 52}
